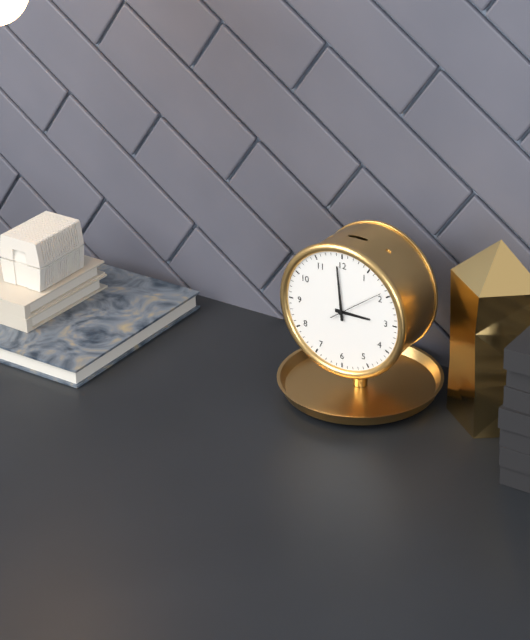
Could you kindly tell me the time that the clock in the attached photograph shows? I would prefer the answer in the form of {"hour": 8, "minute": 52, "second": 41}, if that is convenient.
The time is {"hour": 2, "minute": 59, "second": 9}
